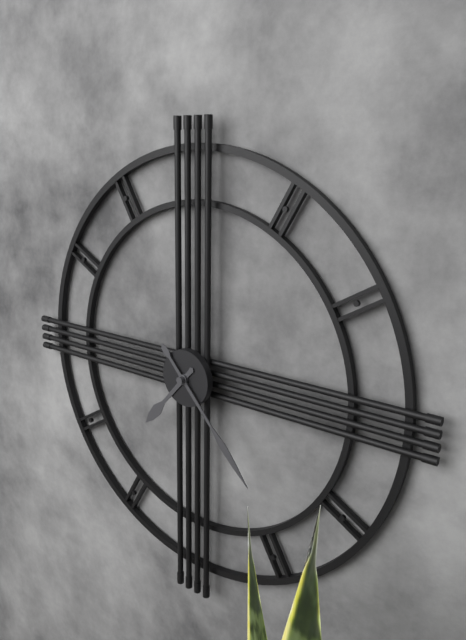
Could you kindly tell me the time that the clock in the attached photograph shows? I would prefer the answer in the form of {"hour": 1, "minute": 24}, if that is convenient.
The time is {"hour": 7, "minute": 23}
